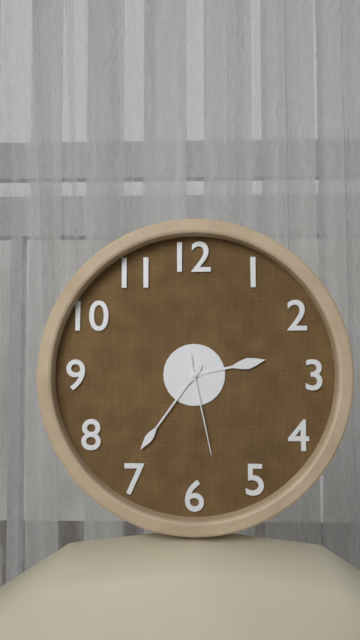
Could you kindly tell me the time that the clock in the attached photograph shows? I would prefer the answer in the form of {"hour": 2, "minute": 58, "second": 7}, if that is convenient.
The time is {"hour": 2, "minute": 36, "second": 28}
